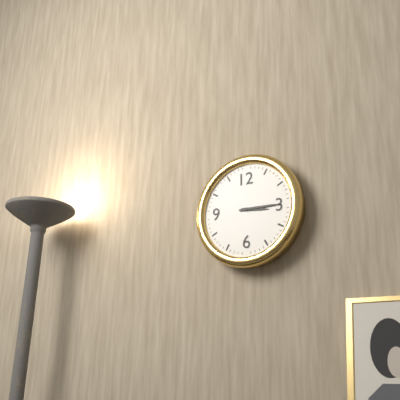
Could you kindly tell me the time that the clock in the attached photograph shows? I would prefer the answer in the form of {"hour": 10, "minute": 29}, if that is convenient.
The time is {"hour": 3, "minute": 15}
